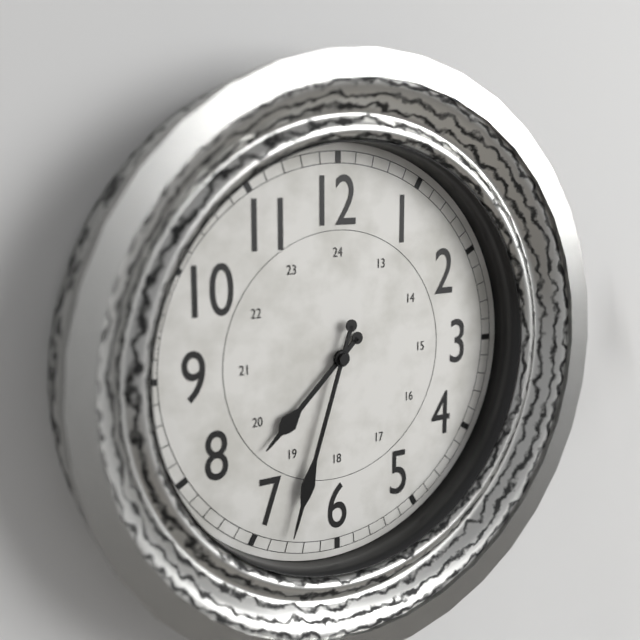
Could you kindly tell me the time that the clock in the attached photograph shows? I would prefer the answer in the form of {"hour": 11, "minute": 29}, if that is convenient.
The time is {"hour": 7, "minute": 33}
